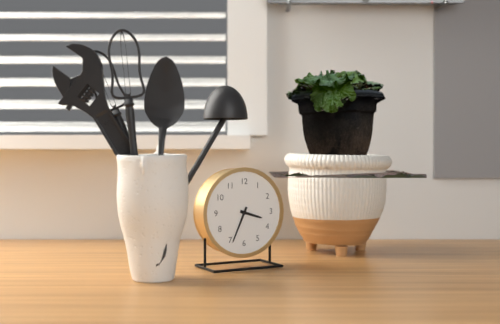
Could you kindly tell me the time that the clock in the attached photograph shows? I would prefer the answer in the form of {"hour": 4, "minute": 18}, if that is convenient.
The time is {"hour": 3, "minute": 34}
